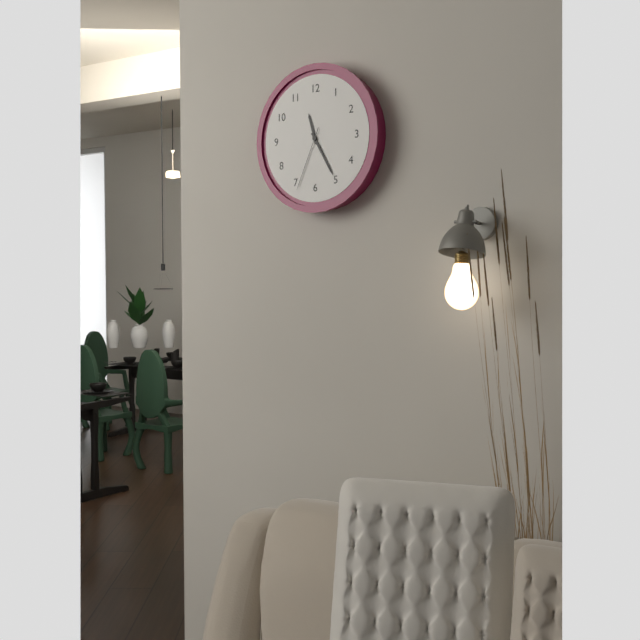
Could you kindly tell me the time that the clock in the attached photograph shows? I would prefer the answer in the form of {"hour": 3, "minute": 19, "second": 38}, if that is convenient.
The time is {"hour": 11, "minute": 25, "second": 34}
